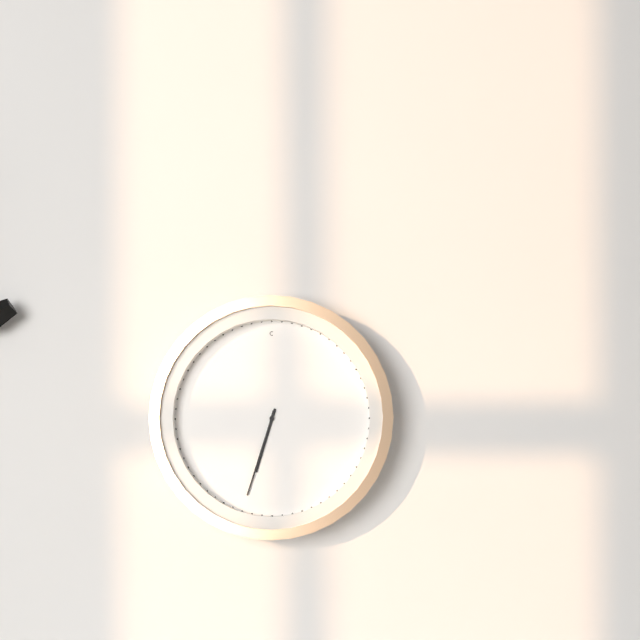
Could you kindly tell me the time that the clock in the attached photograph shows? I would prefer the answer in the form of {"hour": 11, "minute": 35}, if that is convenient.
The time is {"hour": 6, "minute": 33}
